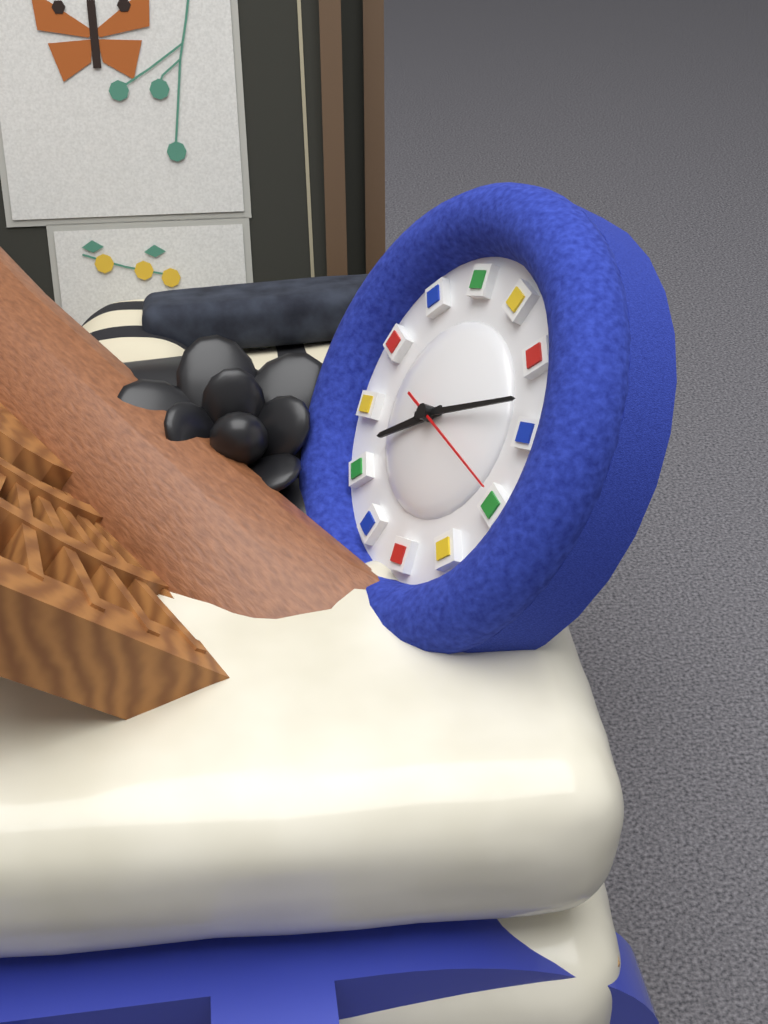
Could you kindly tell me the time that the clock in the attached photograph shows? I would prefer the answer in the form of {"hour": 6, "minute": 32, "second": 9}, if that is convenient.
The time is {"hour": 9, "minute": 18, "second": 24}
